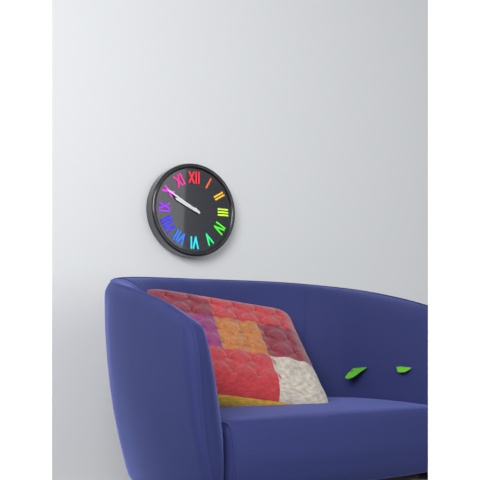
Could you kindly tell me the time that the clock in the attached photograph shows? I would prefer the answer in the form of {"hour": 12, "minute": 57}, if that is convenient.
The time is {"hour": 9, "minute": 50}
